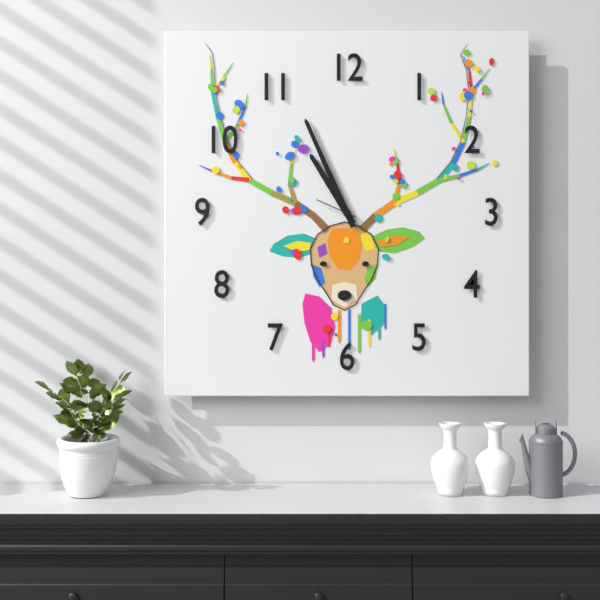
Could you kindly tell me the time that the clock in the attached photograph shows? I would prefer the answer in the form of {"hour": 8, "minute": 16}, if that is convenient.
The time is {"hour": 10, "minute": 56}
